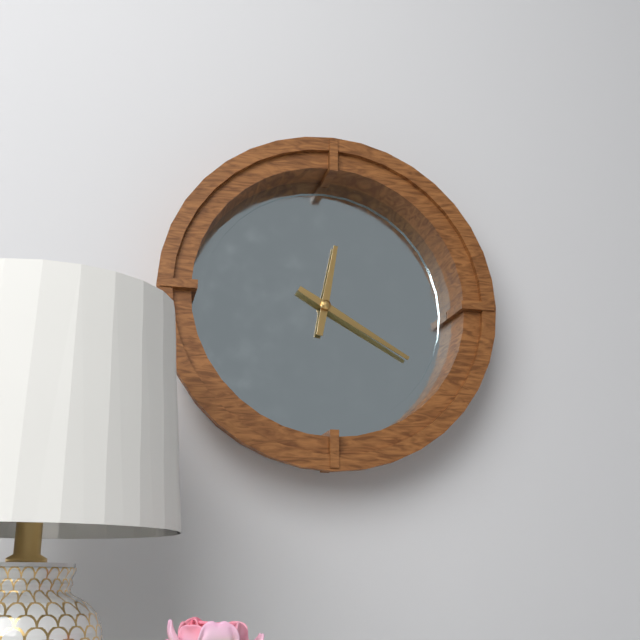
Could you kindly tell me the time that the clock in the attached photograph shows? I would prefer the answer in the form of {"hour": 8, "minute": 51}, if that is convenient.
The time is {"hour": 12, "minute": 20}
